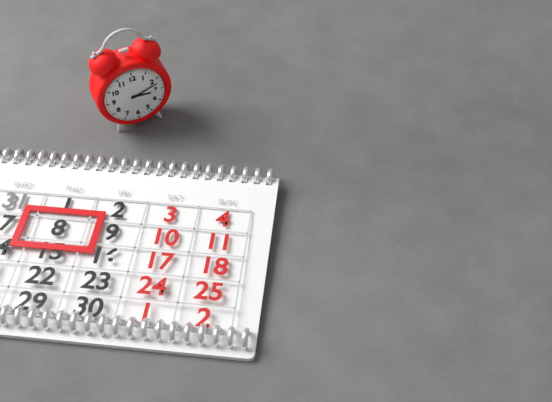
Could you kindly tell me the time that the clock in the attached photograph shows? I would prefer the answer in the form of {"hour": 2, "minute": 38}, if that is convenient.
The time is {"hour": 3, "minute": 12}
